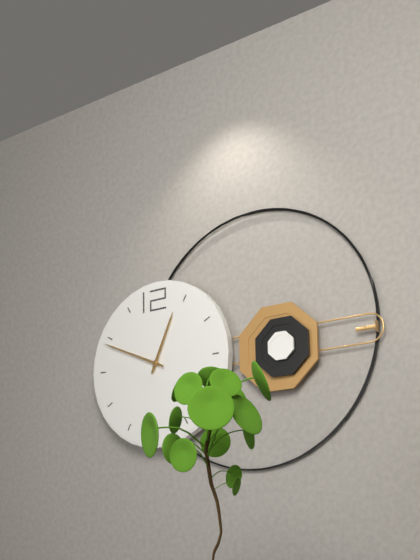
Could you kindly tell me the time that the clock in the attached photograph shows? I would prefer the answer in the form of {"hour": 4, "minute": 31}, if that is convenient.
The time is {"hour": 12, "minute": 49}
